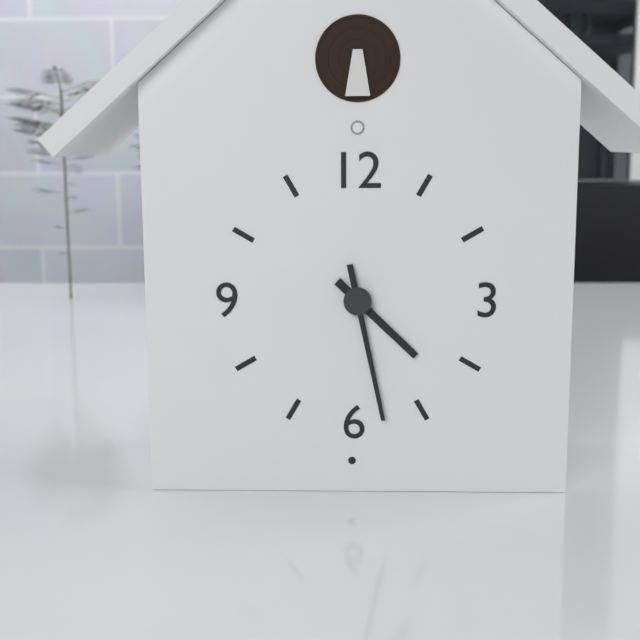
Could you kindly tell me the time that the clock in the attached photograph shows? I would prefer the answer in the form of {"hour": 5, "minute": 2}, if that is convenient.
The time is {"hour": 4, "minute": 28}
